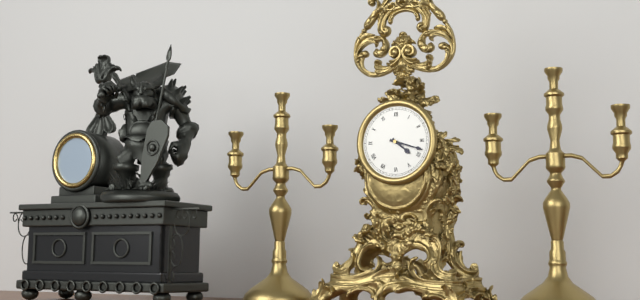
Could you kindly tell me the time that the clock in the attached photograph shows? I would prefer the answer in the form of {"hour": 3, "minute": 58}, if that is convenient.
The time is {"hour": 4, "minute": 18}
